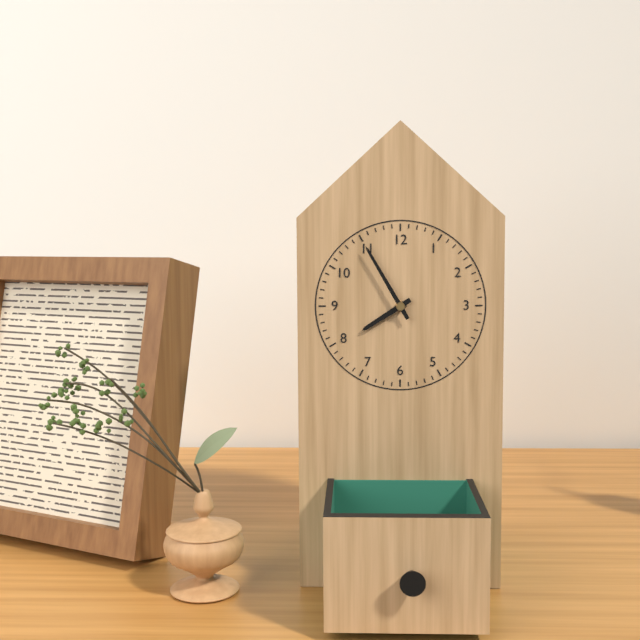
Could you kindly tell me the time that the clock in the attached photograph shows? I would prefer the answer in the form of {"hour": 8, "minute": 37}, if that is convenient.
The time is {"hour": 7, "minute": 55}
